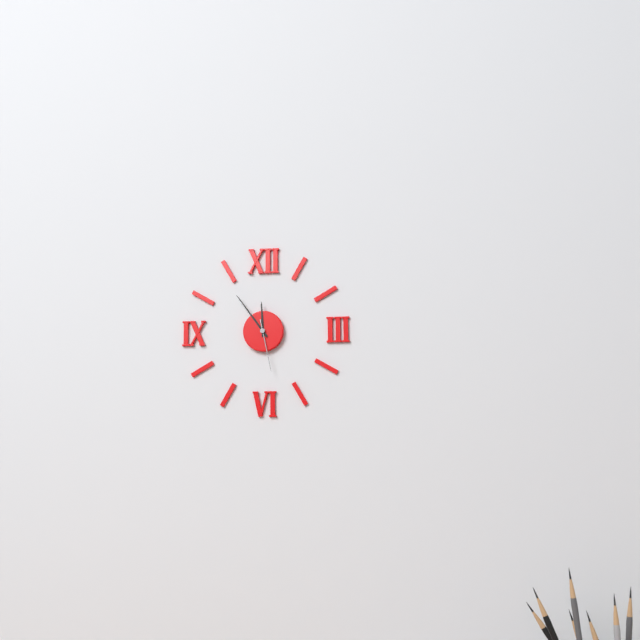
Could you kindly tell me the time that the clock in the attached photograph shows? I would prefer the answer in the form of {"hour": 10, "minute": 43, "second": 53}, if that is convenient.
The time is {"hour": 11, "minute": 54, "second": 28}
